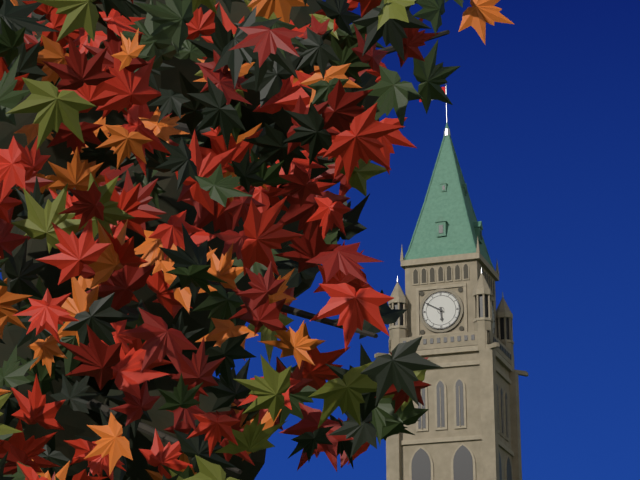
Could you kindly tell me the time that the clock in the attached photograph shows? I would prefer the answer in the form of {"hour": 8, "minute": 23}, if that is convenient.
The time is {"hour": 5, "minute": 50}
